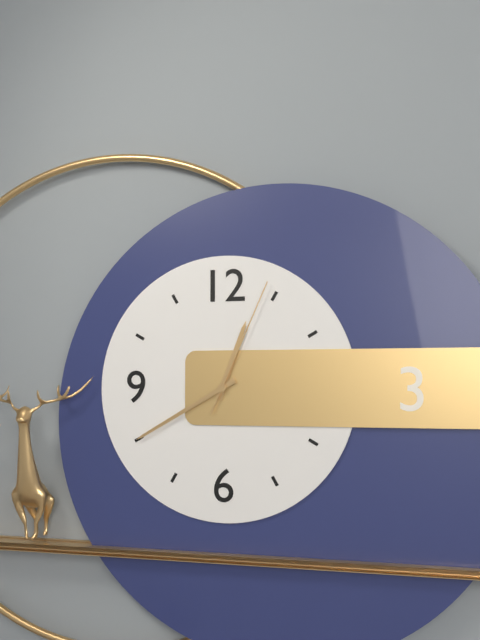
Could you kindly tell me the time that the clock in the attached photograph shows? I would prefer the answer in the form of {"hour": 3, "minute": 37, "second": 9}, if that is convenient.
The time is {"hour": 12, "minute": 40, "second": 4}
